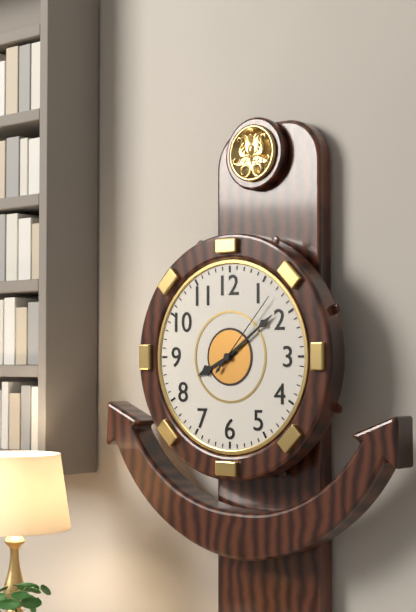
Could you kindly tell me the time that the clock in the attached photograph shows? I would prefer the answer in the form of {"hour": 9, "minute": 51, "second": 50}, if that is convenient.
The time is {"hour": 8, "minute": 9, "second": 7}
